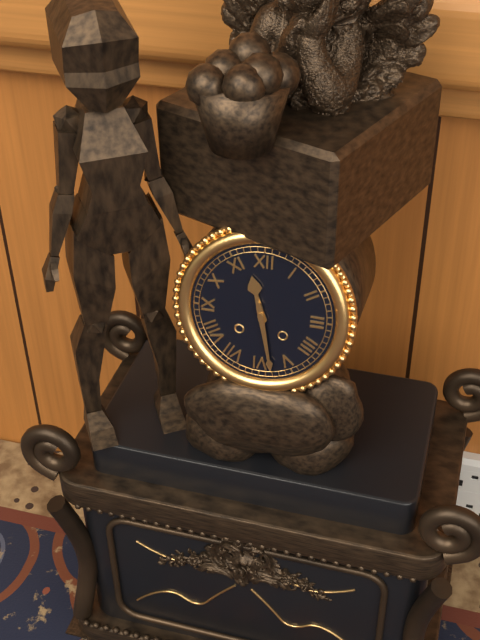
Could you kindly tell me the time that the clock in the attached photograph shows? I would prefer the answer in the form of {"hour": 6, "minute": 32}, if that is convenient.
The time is {"hour": 11, "minute": 28}
